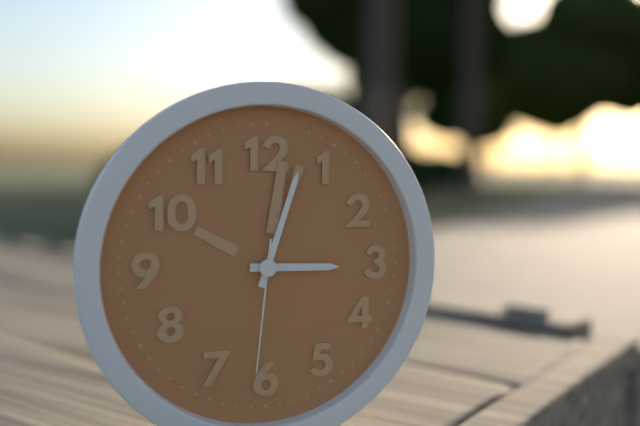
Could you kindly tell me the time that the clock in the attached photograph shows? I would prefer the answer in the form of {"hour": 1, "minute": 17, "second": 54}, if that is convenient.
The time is {"hour": 3, "minute": 3, "second": 31}
